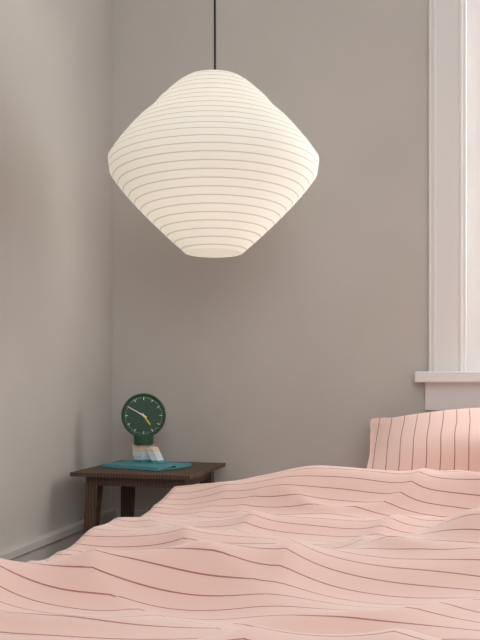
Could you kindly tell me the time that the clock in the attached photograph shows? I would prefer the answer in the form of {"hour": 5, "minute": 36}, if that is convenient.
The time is {"hour": 4, "minute": 50}
